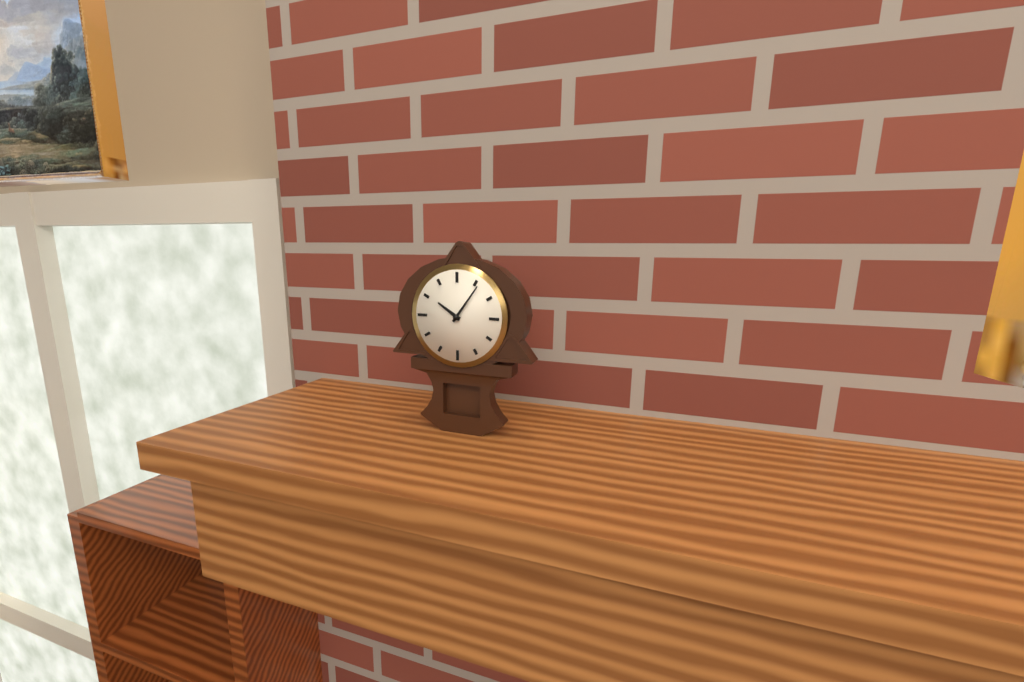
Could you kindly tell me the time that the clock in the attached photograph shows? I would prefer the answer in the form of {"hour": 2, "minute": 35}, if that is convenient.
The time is {"hour": 10, "minute": 6}
